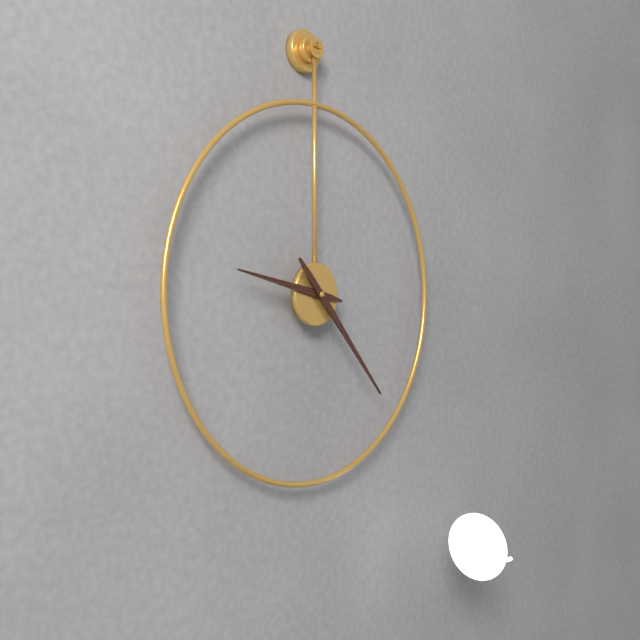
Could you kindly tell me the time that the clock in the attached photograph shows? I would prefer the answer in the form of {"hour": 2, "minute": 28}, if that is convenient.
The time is {"hour": 9, "minute": 23}
